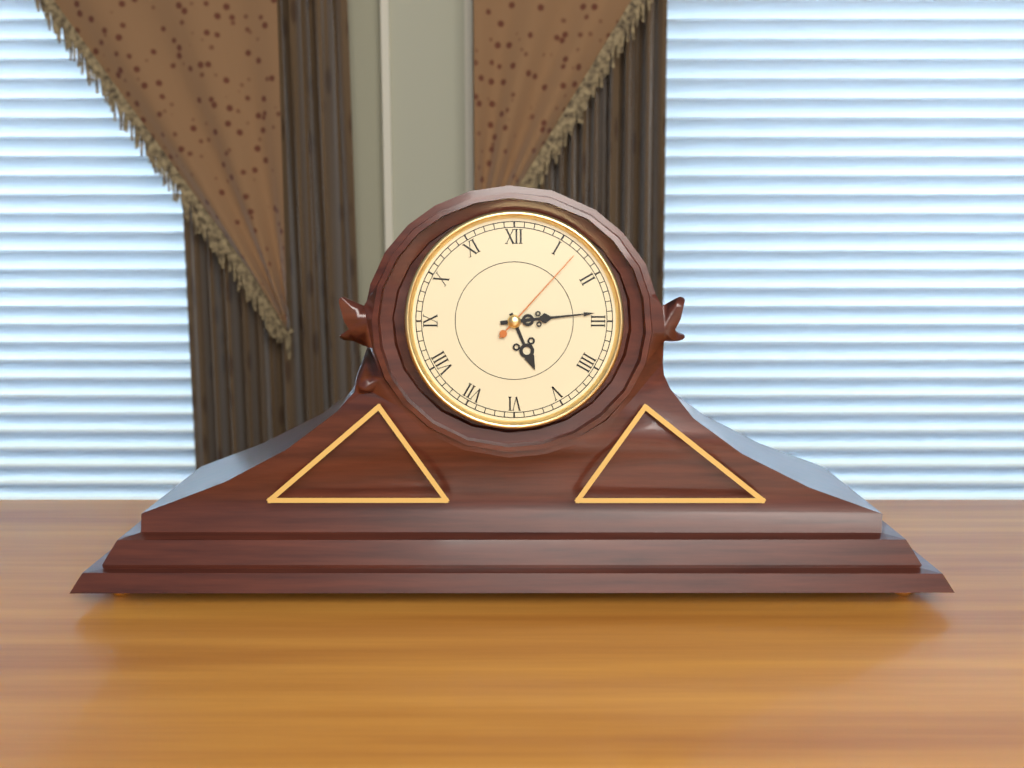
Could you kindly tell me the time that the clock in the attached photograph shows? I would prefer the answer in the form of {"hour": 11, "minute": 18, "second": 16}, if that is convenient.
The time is {"hour": 5, "minute": 14, "second": 7}
